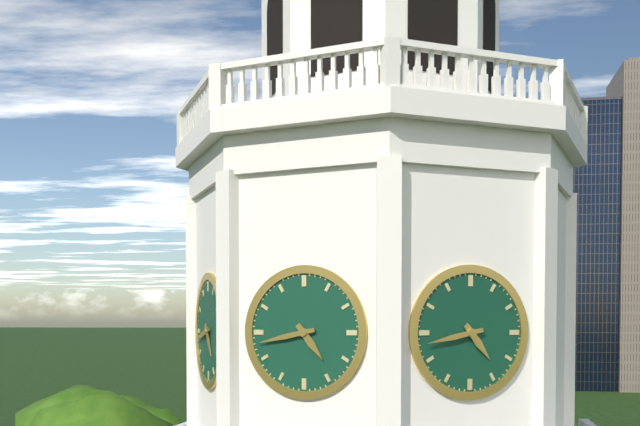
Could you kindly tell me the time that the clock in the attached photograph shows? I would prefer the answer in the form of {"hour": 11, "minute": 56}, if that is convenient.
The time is {"hour": 4, "minute": 43}
